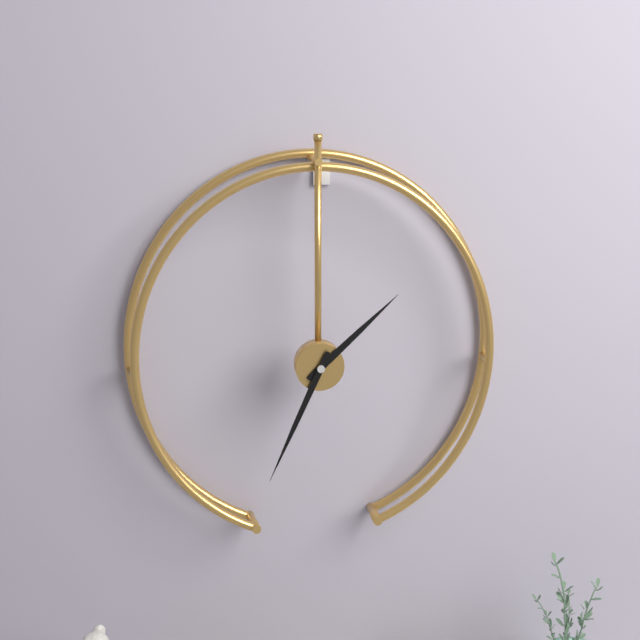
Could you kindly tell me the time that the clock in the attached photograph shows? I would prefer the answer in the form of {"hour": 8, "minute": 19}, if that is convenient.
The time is {"hour": 1, "minute": 34}
